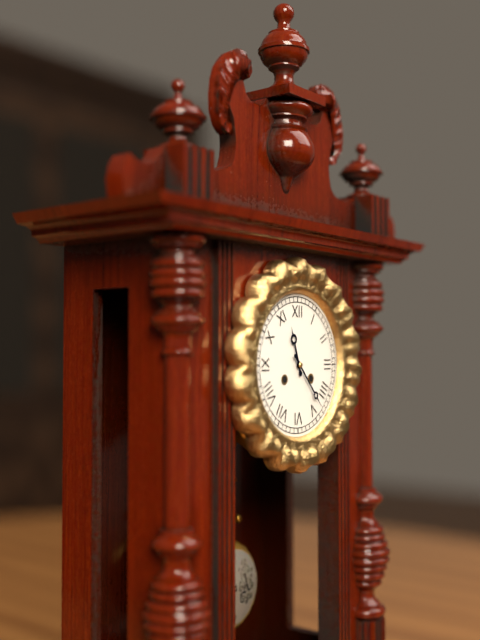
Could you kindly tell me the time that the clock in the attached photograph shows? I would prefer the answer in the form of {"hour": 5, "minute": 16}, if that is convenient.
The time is {"hour": 11, "minute": 23}
